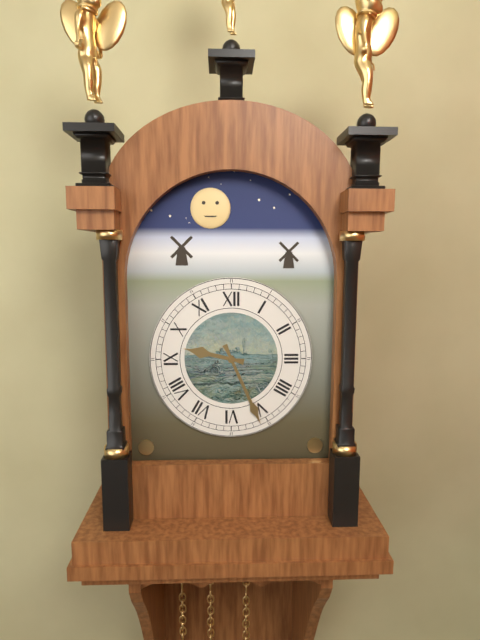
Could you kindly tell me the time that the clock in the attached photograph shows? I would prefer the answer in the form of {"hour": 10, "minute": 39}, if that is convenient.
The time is {"hour": 9, "minute": 26}
